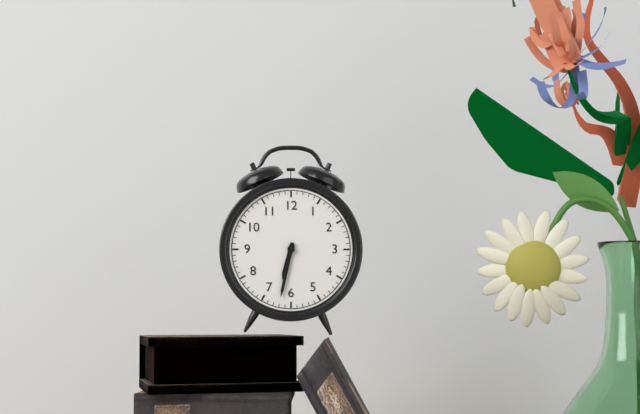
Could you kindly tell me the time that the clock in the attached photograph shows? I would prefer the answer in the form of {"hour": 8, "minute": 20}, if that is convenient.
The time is {"hour": 6, "minute": 32}
